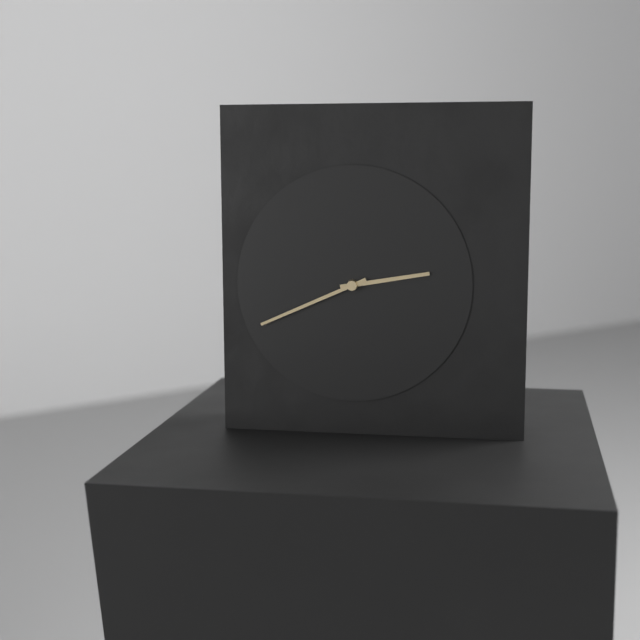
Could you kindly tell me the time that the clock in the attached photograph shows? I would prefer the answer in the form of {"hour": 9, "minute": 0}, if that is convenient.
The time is {"hour": 2, "minute": 41}
